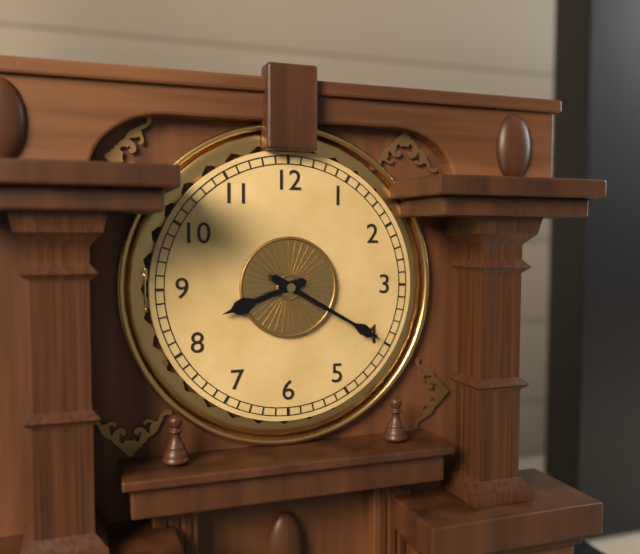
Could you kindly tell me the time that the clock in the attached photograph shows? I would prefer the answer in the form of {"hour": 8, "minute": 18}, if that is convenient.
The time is {"hour": 8, "minute": 20}
